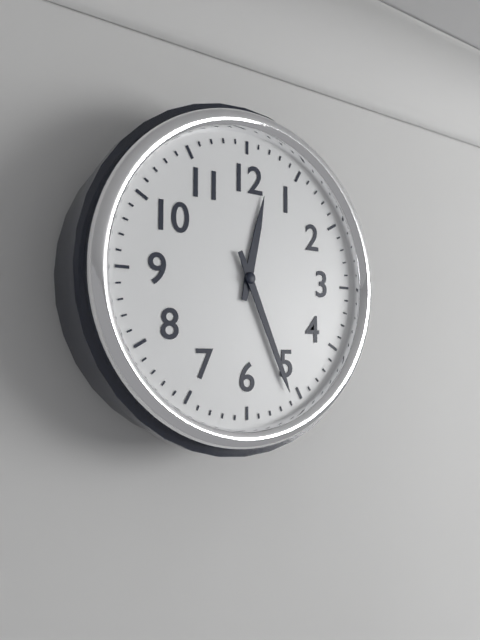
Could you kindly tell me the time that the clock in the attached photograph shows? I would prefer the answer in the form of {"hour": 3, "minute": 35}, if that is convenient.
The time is {"hour": 12, "minute": 26}
